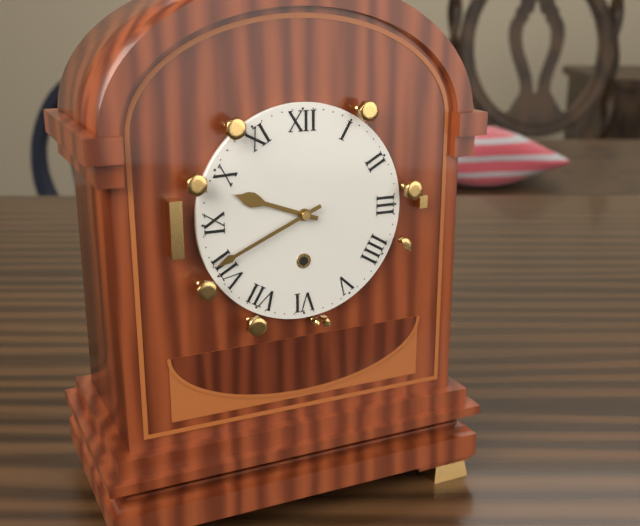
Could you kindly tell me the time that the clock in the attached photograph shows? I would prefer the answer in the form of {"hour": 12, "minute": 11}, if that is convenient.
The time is {"hour": 9, "minute": 41}
